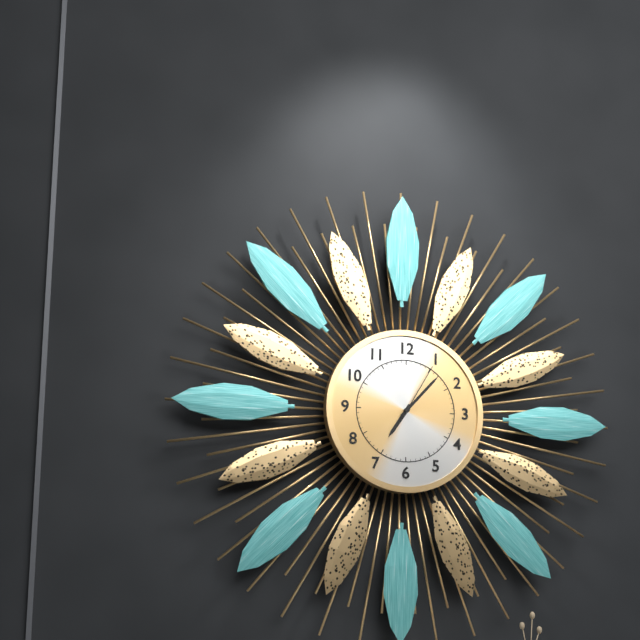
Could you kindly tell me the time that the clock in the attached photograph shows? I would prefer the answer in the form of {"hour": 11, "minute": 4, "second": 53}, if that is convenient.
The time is {"hour": 7, "minute": 7, "second": 5}
